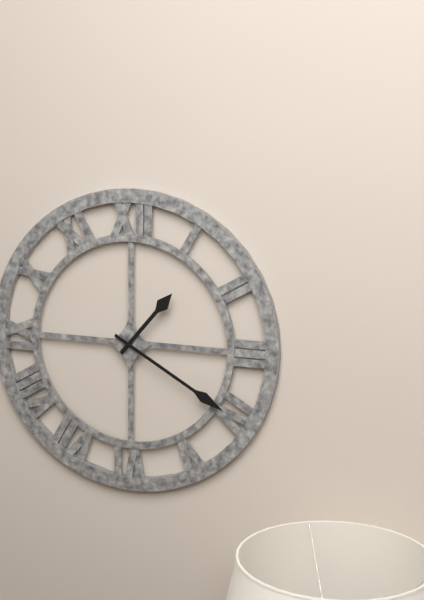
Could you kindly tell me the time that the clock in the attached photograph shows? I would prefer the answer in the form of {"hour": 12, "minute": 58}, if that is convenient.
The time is {"hour": 1, "minute": 20}
